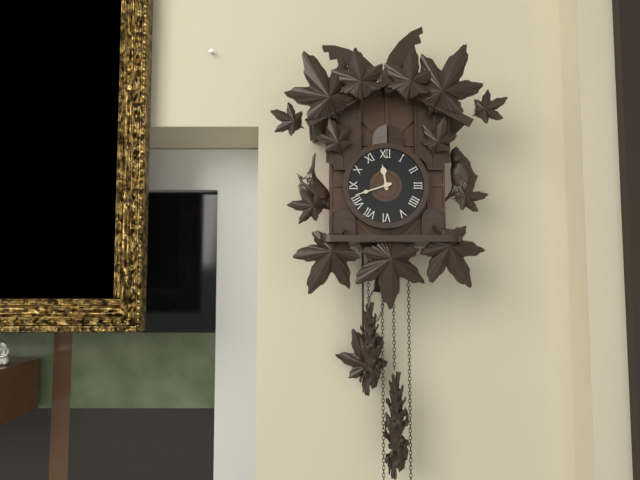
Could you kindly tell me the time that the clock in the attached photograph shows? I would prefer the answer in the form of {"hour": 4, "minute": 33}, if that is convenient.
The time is {"hour": 11, "minute": 42}
